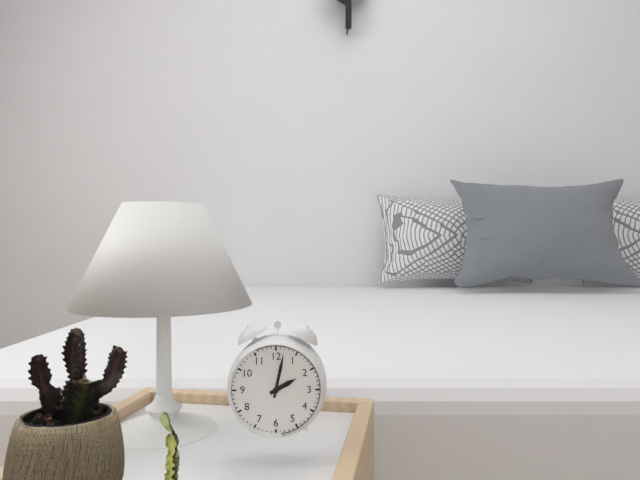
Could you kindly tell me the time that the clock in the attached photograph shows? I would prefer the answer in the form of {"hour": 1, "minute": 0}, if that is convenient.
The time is {"hour": 2, "minute": 2}
